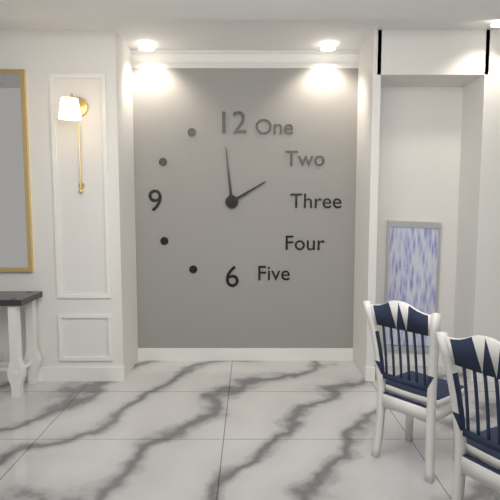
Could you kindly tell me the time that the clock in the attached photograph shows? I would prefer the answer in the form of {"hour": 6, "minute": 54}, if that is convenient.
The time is {"hour": 1, "minute": 59}
